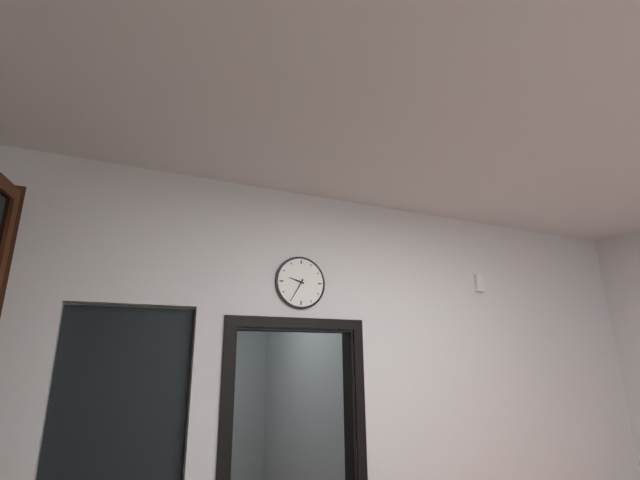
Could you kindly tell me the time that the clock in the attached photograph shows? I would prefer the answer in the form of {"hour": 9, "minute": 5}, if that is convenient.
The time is {"hour": 9, "minute": 35}
